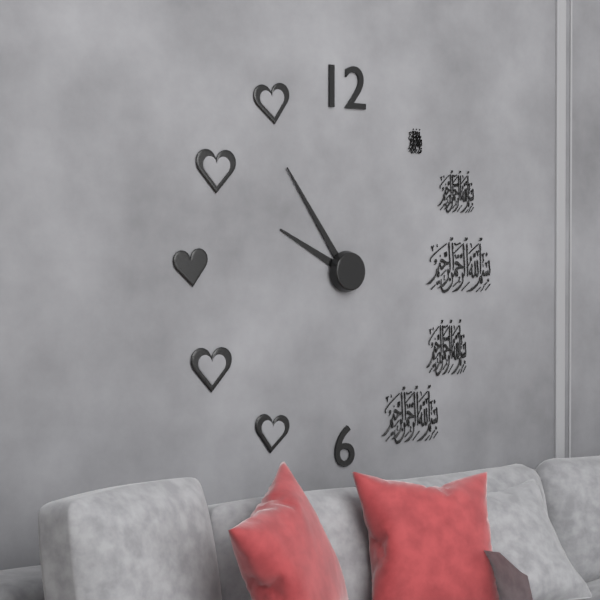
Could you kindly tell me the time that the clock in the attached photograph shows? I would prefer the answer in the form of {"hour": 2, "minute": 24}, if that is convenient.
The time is {"hour": 9, "minute": 54}
